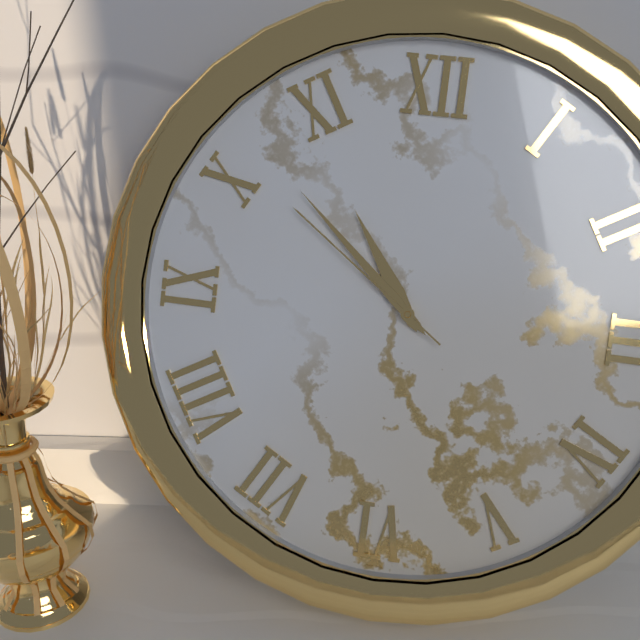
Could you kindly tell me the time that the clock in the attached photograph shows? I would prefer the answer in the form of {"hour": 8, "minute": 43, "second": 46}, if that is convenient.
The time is {"hour": 10, "minute": 52, "second": 51}
